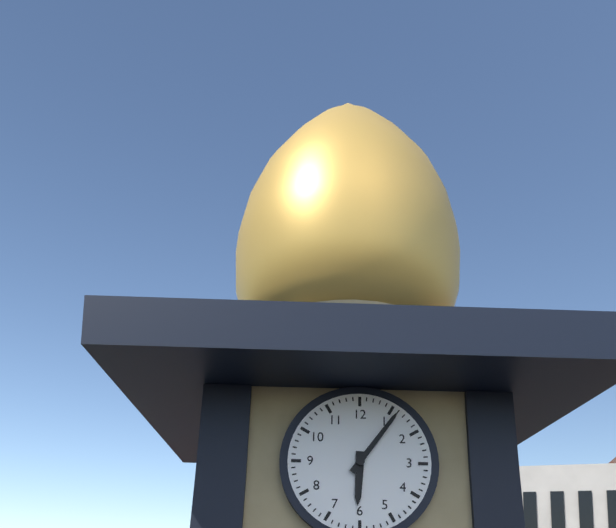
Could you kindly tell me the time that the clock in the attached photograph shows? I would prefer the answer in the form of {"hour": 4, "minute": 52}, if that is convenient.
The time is {"hour": 6, "minute": 6}
